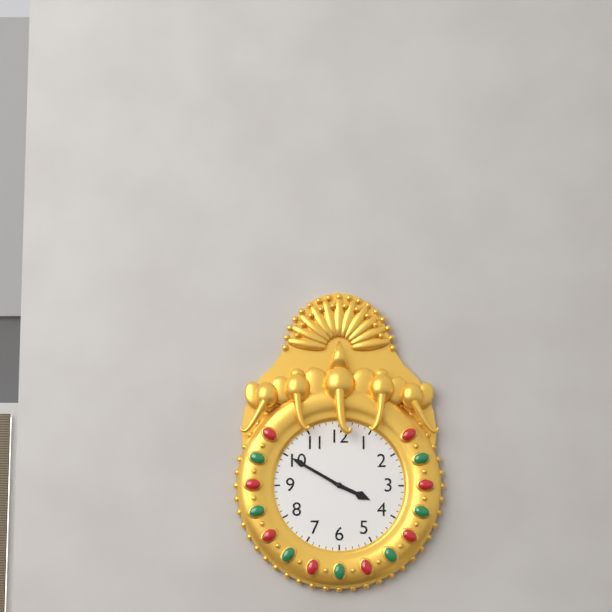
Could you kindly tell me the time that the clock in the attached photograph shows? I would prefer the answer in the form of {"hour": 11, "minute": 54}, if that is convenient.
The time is {"hour": 3, "minute": 50}
